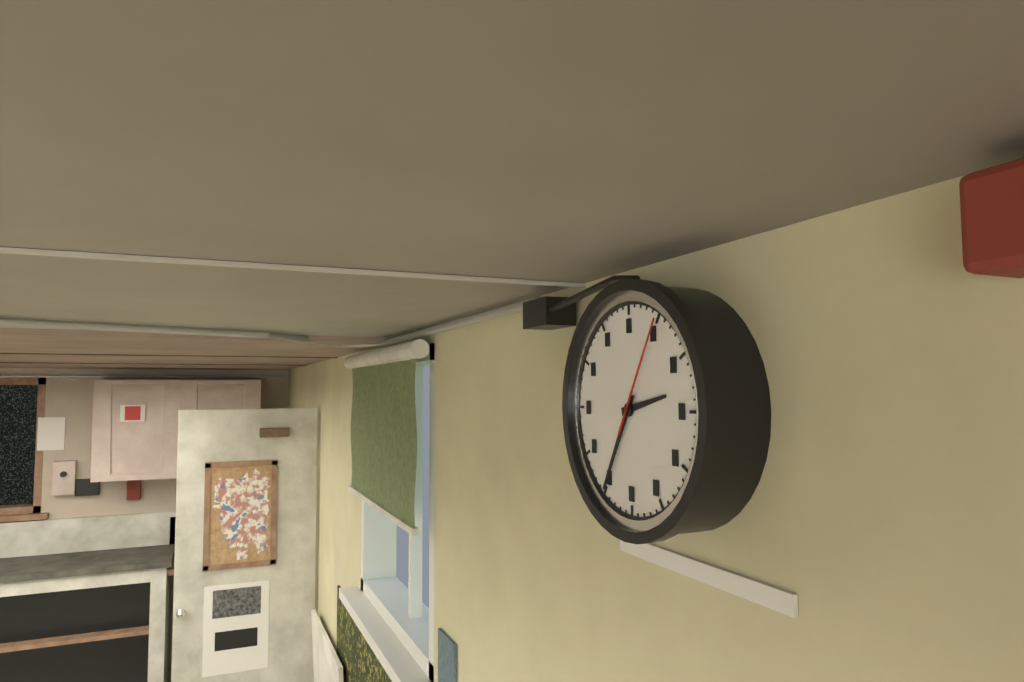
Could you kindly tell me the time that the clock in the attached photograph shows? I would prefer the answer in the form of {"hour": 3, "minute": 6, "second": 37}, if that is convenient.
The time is {"hour": 2, "minute": 35, "second": 5}
